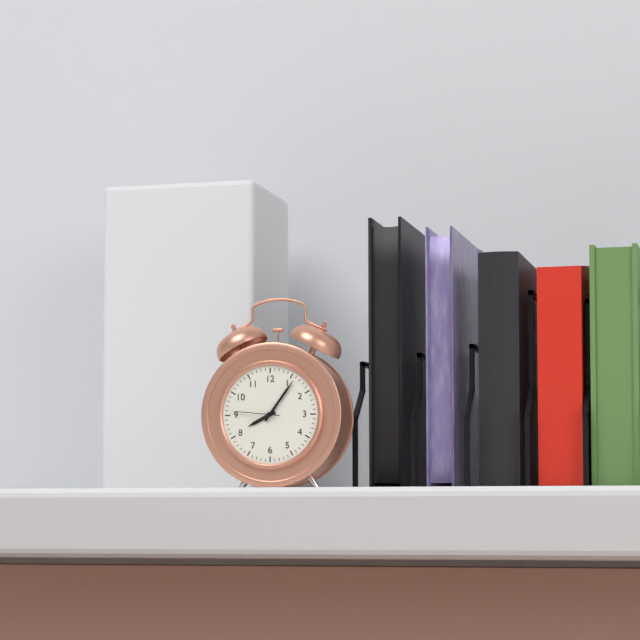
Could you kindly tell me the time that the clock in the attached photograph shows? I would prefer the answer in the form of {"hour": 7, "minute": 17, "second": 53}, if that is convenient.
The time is {"hour": 8, "minute": 6, "second": 46}
